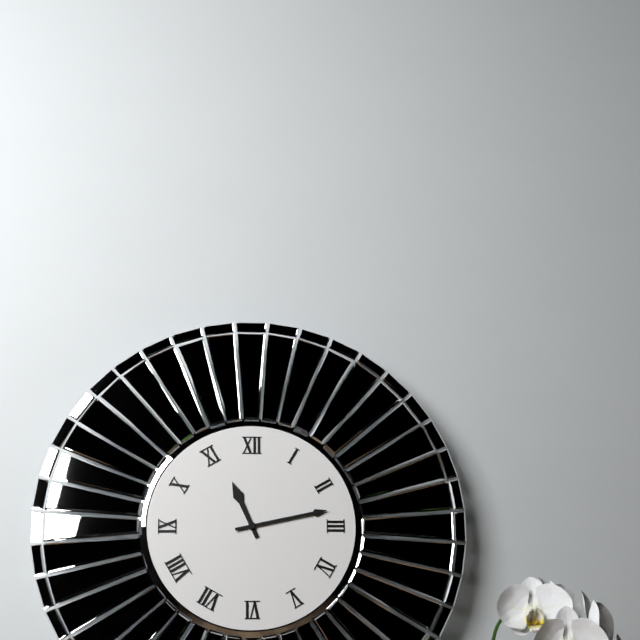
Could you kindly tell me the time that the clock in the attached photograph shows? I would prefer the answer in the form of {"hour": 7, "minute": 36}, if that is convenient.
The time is {"hour": 11, "minute": 13}
